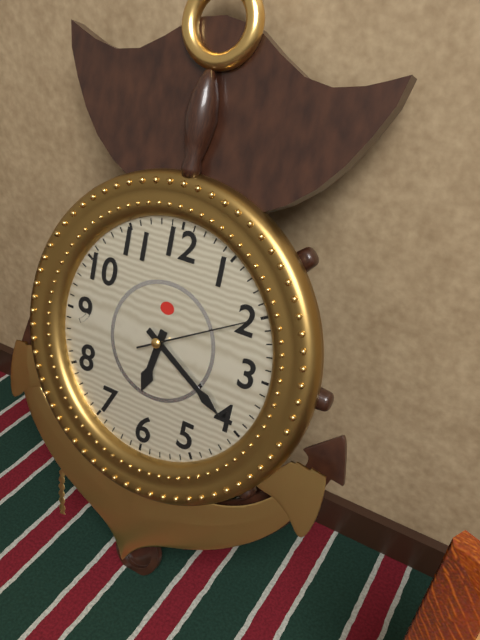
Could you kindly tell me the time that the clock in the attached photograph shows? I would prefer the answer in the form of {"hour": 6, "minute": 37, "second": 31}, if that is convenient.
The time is {"hour": 6, "minute": 20, "second": 10}
